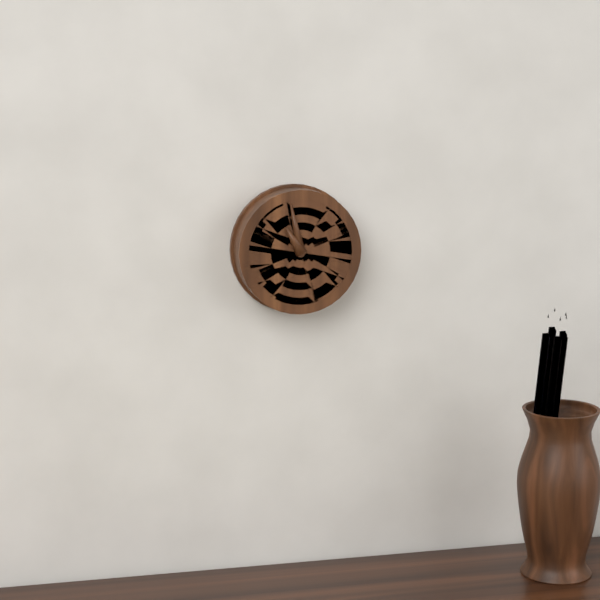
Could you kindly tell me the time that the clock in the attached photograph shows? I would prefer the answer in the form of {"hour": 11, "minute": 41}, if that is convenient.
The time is {"hour": 10, "minute": 58}
